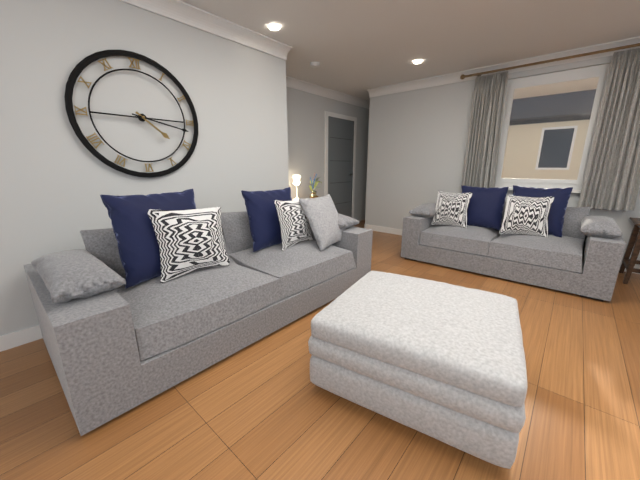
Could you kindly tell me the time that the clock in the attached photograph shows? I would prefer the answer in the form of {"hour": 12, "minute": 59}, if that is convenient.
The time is {"hour": 4, "minute": 17}
